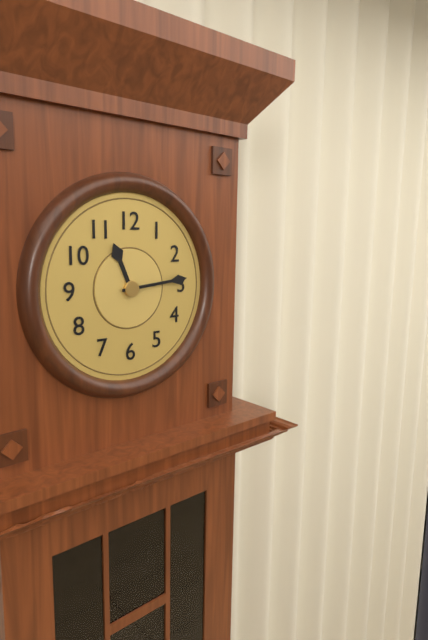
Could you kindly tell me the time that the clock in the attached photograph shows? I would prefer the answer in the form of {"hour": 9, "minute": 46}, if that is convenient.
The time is {"hour": 11, "minute": 14}
